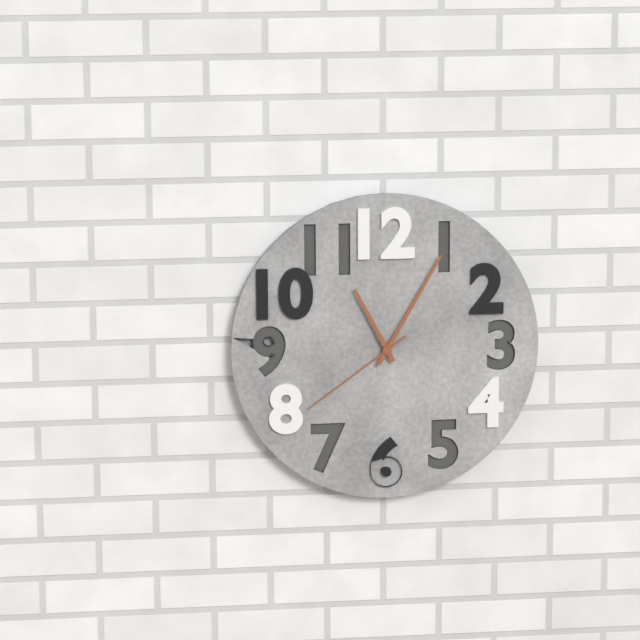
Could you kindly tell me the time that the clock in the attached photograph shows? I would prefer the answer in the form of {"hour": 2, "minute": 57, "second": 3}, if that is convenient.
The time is {"hour": 11, "minute": 5, "second": 39}
